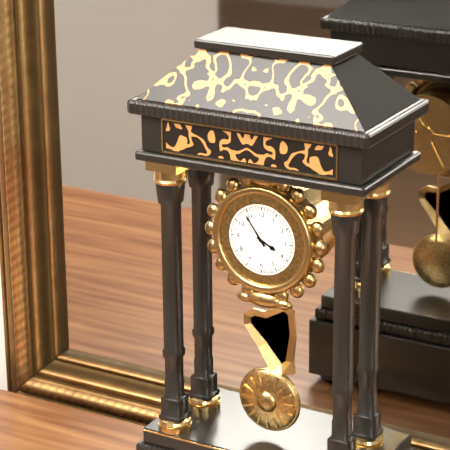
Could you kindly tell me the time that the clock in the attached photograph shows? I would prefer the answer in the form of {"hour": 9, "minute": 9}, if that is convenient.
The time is {"hour": 3, "minute": 54}
